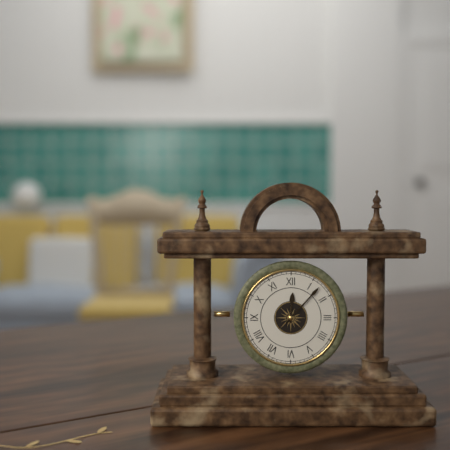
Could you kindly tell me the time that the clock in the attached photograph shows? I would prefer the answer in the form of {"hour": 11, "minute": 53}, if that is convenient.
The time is {"hour": 12, "minute": 7}
